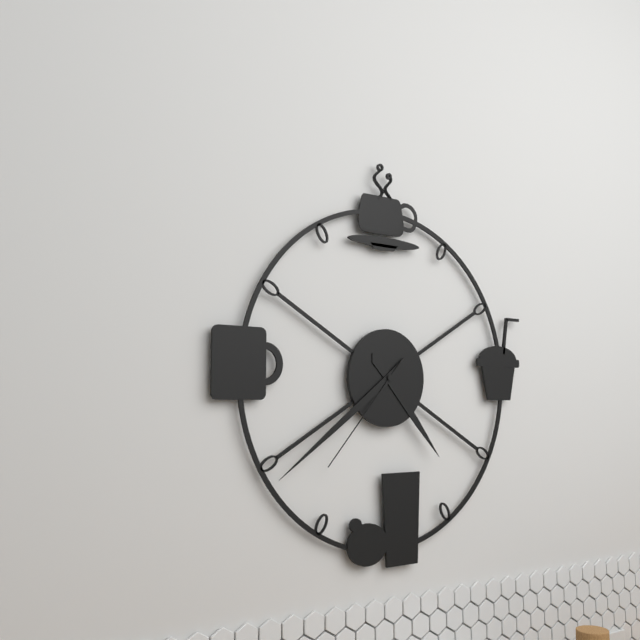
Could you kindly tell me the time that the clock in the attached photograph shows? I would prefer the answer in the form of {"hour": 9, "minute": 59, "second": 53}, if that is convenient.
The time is {"hour": 4, "minute": 39, "second": 37}
